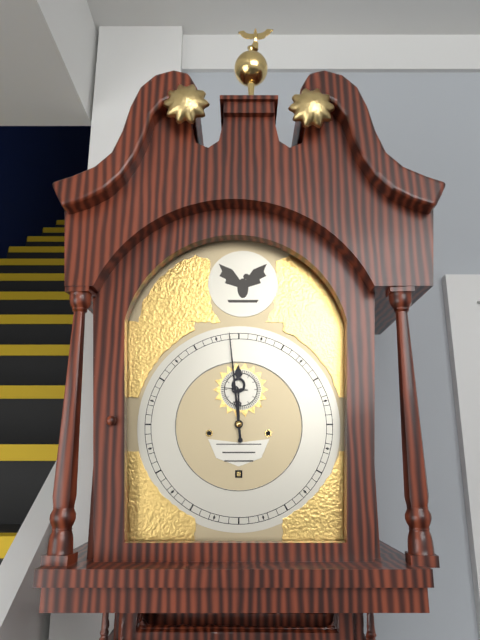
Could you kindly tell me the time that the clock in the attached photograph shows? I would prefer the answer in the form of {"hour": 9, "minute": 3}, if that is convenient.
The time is {"hour": 11, "minute": 59}
